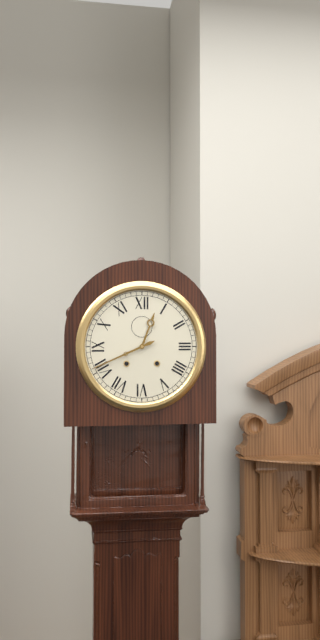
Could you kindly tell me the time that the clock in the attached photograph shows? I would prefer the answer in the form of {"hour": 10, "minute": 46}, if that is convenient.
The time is {"hour": 12, "minute": 41}
